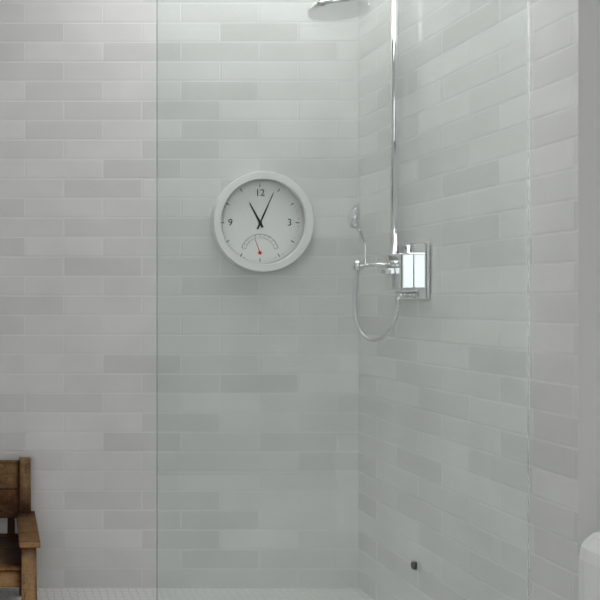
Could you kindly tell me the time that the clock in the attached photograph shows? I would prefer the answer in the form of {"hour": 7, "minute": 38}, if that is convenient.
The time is {"hour": 11, "minute": 4}
